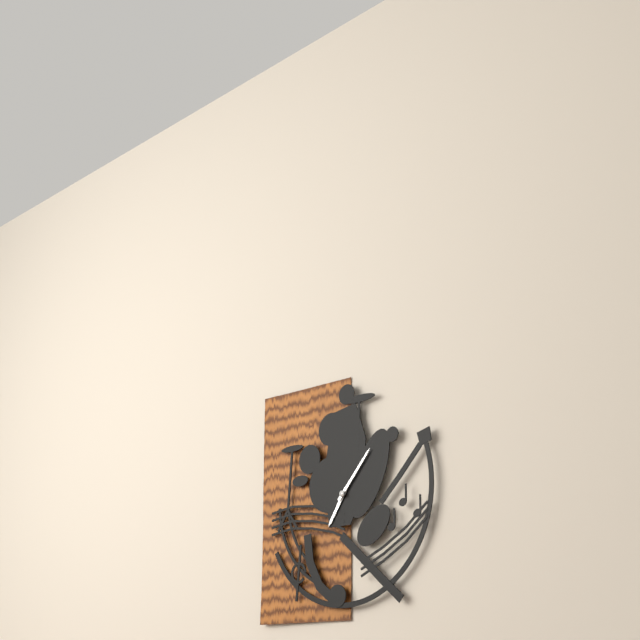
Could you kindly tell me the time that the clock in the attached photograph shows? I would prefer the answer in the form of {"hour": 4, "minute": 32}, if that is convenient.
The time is {"hour": 7, "minute": 7}
